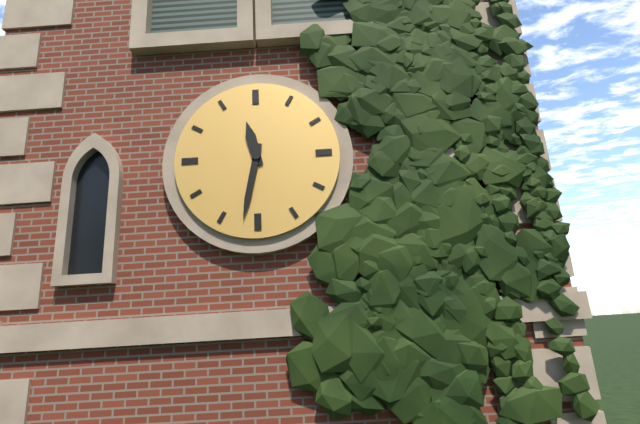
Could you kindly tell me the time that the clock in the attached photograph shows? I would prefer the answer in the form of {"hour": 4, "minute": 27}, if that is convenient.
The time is {"hour": 11, "minute": 32}
